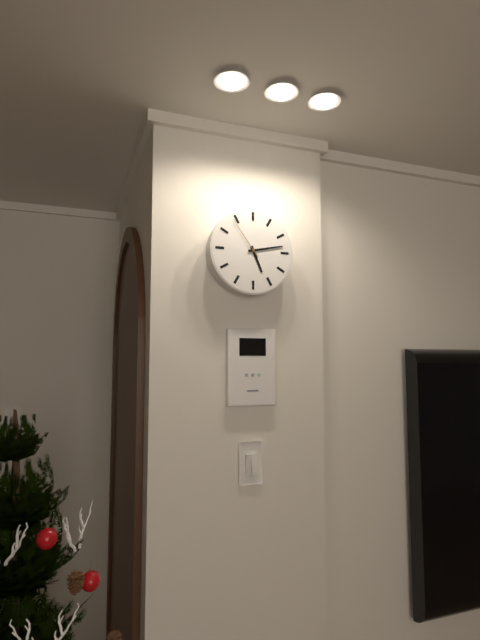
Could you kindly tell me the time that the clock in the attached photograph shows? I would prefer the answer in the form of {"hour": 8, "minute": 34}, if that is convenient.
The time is {"hour": 5, "minute": 13}
